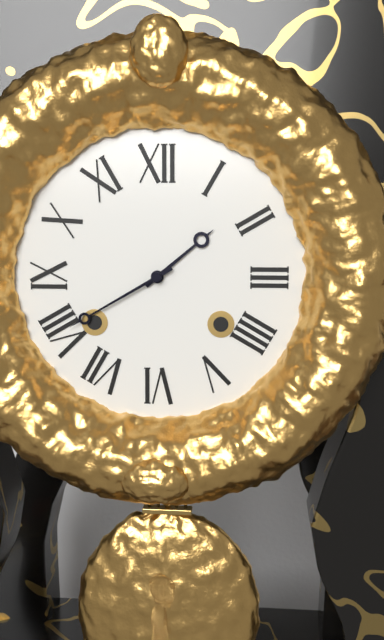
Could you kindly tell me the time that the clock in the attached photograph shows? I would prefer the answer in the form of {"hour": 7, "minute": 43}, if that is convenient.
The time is {"hour": 1, "minute": 40}
